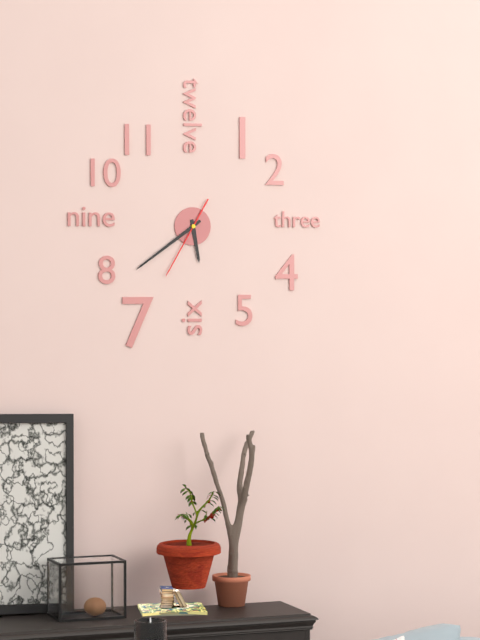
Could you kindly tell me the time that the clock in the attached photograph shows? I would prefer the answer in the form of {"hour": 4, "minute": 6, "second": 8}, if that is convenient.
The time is {"hour": 5, "minute": 39, "second": 35}
